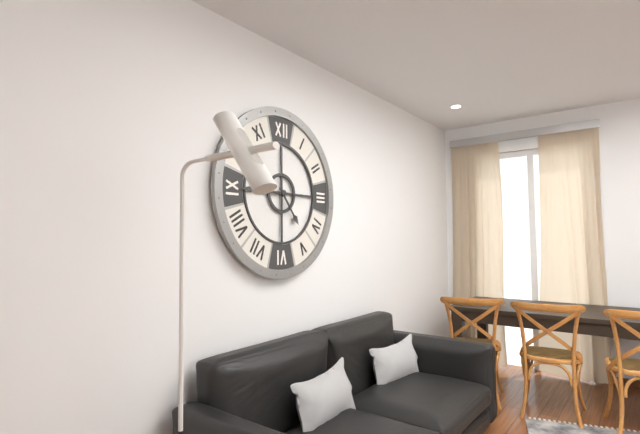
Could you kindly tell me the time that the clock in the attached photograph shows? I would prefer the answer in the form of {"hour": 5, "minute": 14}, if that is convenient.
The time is {"hour": 4, "minute": 45}
